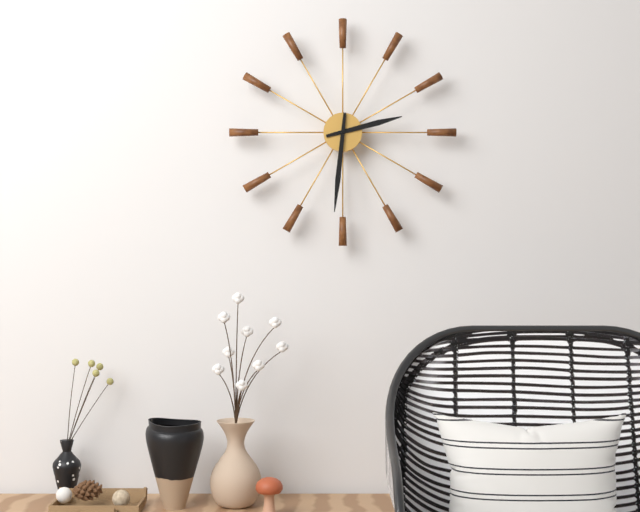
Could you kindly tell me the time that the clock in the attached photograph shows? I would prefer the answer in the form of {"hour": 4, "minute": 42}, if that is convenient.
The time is {"hour": 2, "minute": 31}
